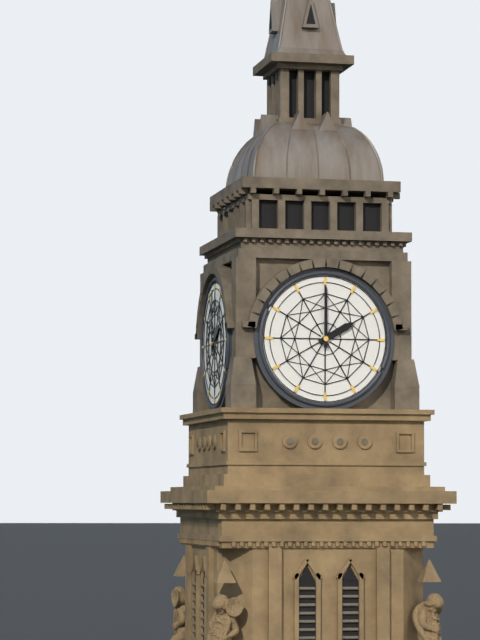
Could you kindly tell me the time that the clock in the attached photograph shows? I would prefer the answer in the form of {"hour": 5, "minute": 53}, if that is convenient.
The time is {"hour": 2, "minute": 0}
